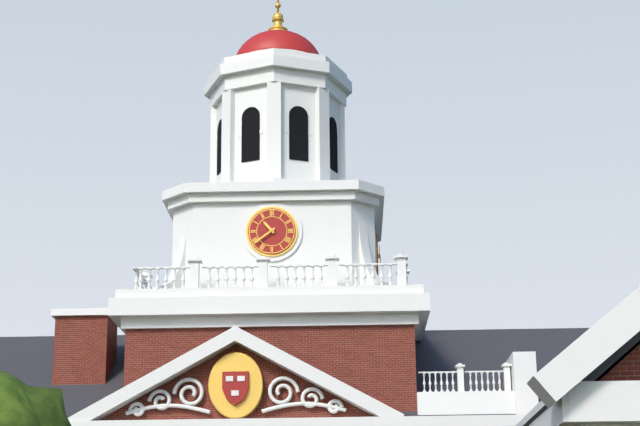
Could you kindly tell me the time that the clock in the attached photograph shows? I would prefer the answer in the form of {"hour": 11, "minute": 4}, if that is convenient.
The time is {"hour": 10, "minute": 39}
